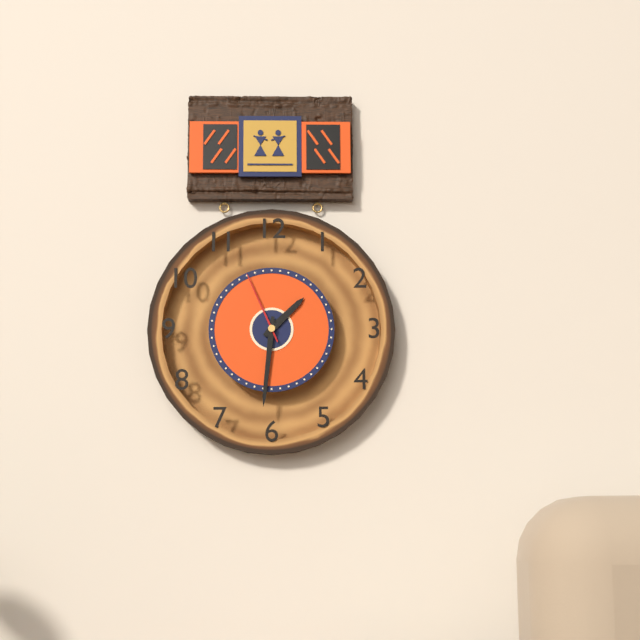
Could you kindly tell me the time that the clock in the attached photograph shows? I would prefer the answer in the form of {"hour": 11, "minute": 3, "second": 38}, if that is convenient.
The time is {"hour": 1, "minute": 31, "second": 56}
